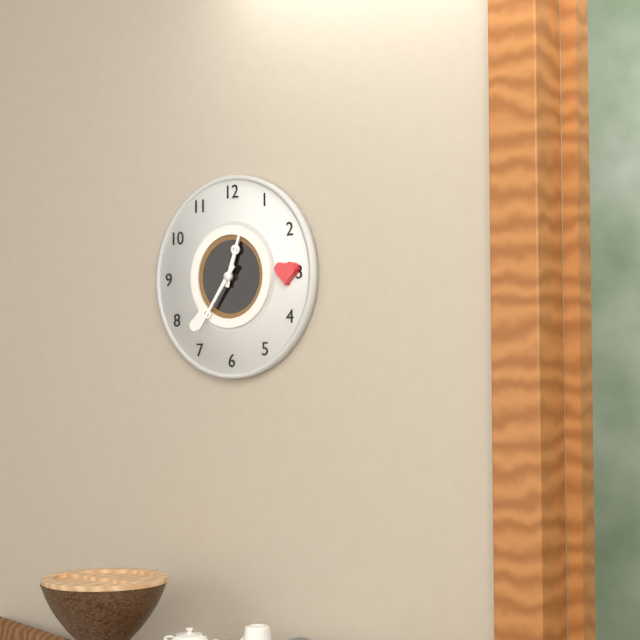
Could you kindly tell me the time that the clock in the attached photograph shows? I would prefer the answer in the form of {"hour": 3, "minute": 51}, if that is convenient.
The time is {"hour": 12, "minute": 36}
